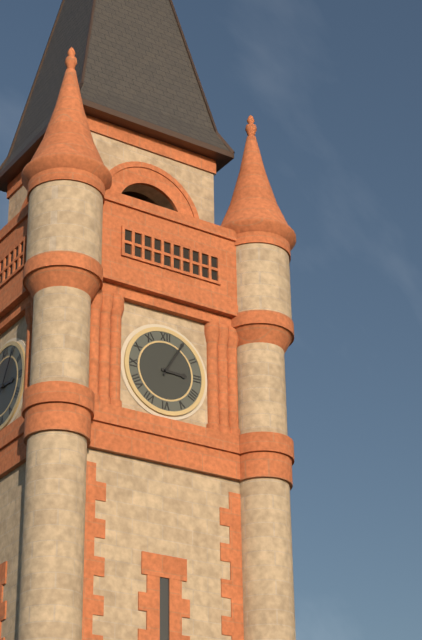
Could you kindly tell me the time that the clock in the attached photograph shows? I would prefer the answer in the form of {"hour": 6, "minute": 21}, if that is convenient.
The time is {"hour": 3, "minute": 5}
